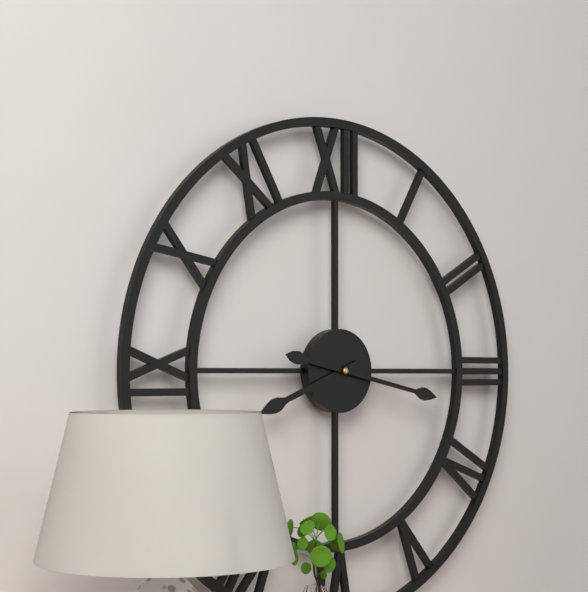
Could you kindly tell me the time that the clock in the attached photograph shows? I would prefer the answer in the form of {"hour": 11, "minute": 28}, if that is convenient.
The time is {"hour": 8, "minute": 17}
